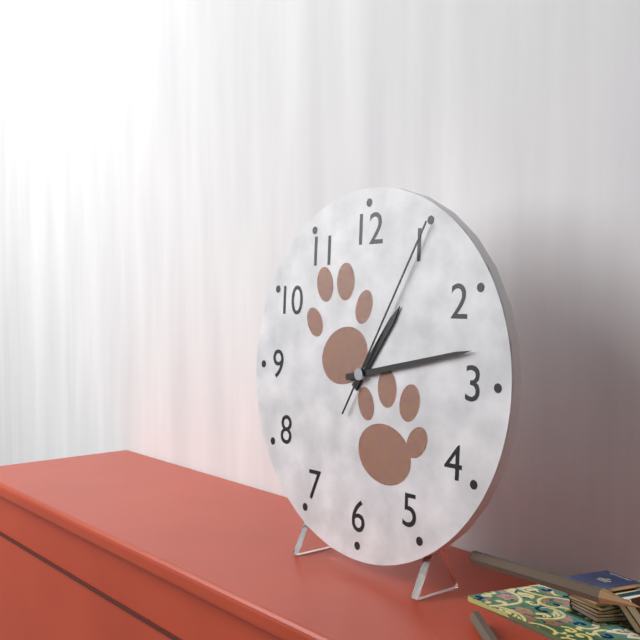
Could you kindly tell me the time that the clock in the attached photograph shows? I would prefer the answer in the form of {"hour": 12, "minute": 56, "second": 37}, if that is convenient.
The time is {"hour": 1, "minute": 13, "second": 5}
